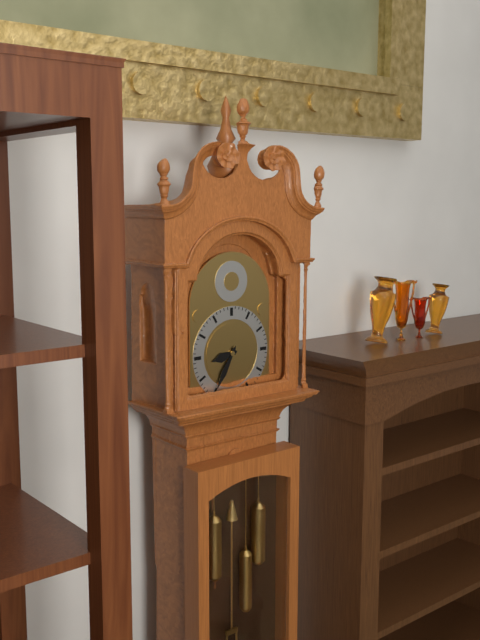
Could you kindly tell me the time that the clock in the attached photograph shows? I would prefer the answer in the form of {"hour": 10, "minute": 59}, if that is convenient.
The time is {"hour": 8, "minute": 35}
